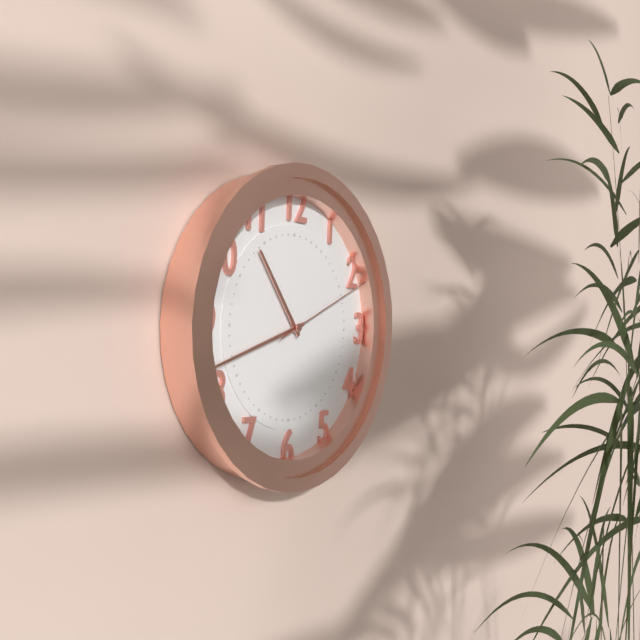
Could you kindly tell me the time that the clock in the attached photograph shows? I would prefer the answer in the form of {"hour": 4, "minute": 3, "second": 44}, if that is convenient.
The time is {"hour": 10, "minute": 42, "second": 11}
